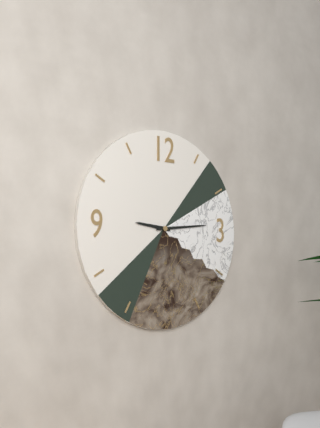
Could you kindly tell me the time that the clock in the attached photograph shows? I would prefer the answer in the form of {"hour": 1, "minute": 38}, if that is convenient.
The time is {"hour": 9, "minute": 14}
